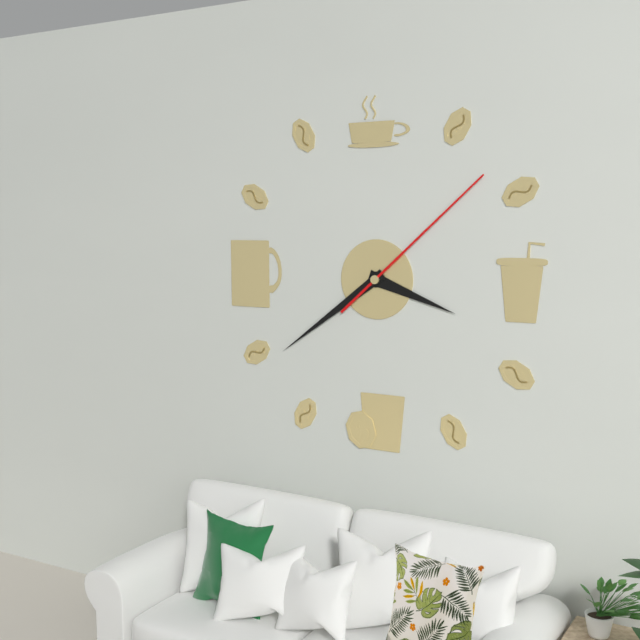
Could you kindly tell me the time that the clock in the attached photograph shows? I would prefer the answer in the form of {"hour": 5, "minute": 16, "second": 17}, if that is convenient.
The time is {"hour": 3, "minute": 39, "second": 8}
